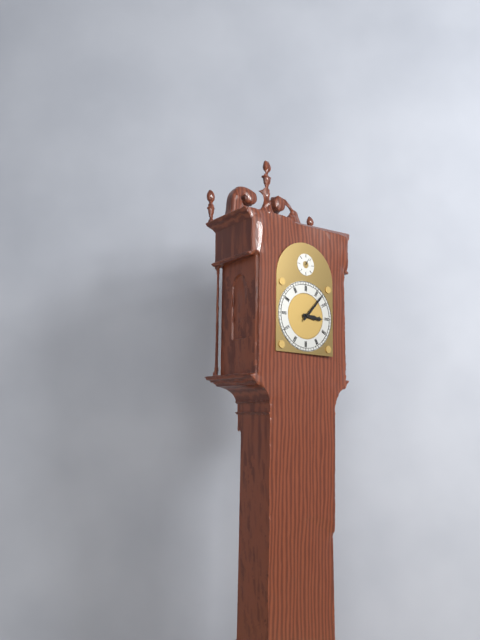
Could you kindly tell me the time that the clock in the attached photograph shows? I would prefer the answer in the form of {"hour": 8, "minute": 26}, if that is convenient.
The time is {"hour": 3, "minute": 7}
